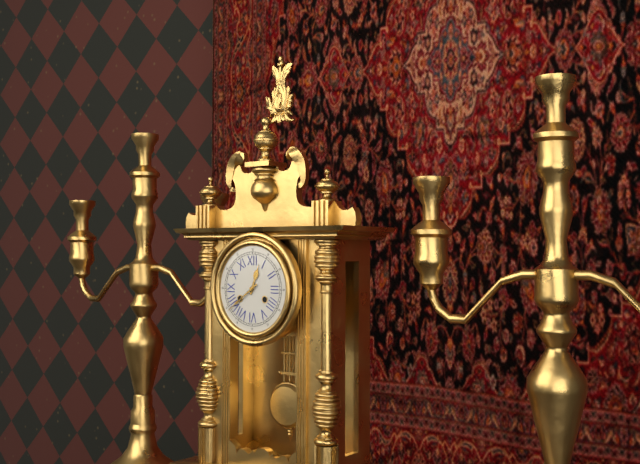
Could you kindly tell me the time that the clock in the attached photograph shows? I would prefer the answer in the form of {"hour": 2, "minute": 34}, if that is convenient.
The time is {"hour": 12, "minute": 39}
